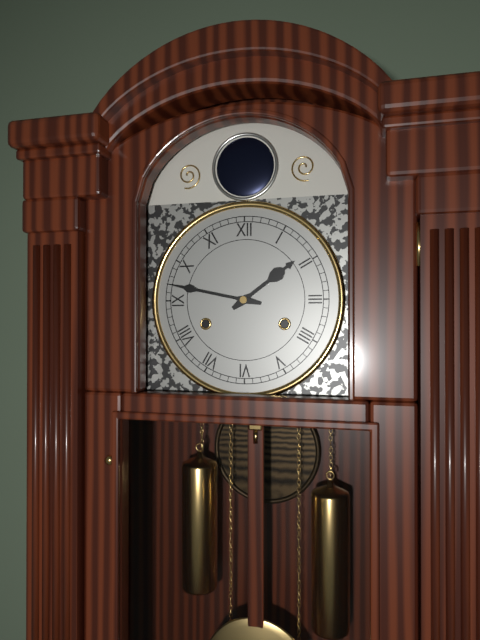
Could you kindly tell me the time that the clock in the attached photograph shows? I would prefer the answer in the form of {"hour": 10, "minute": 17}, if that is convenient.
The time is {"hour": 1, "minute": 47}
